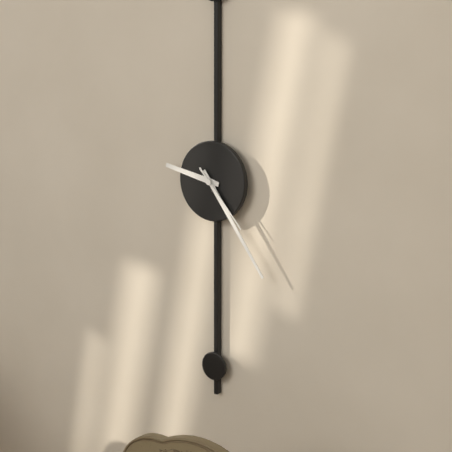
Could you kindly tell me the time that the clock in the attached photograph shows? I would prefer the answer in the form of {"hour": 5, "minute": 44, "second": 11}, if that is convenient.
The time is {"hour": 9, "minute": 24, "second": 23}
